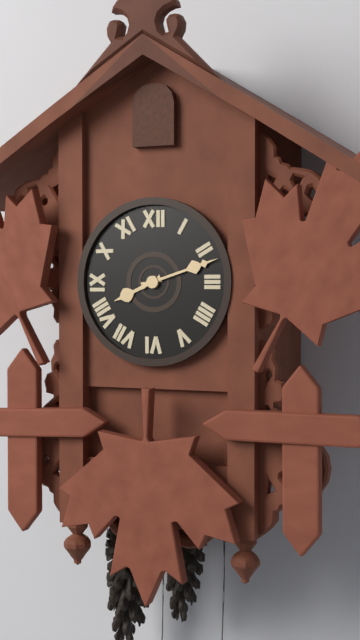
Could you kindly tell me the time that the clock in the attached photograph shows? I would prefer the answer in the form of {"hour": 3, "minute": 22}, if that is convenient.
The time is {"hour": 8, "minute": 12}
